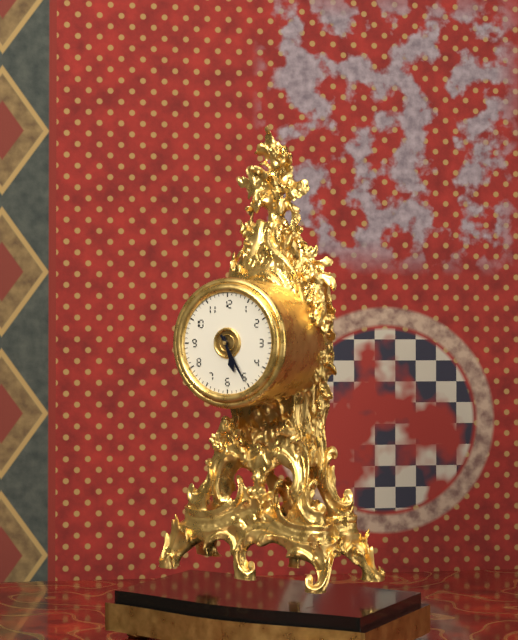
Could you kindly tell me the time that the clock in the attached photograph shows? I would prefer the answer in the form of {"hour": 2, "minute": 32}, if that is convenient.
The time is {"hour": 5, "minute": 25}
